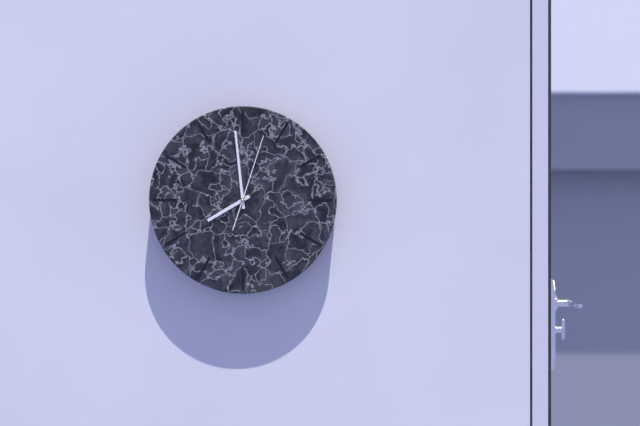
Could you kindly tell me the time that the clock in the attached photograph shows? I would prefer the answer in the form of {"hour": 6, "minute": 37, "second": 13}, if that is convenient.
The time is {"hour": 7, "minute": 59, "second": 3}
